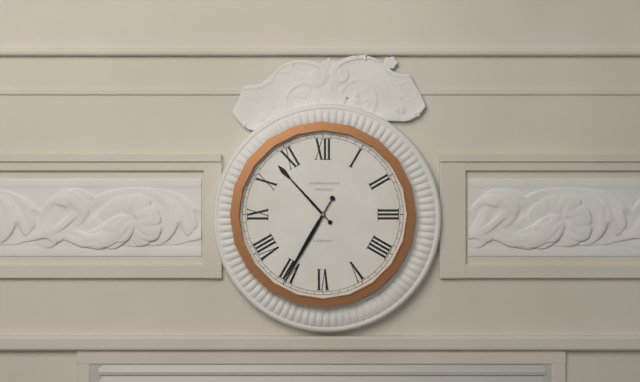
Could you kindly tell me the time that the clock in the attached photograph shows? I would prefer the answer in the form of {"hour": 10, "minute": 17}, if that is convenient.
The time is {"hour": 10, "minute": 35}
